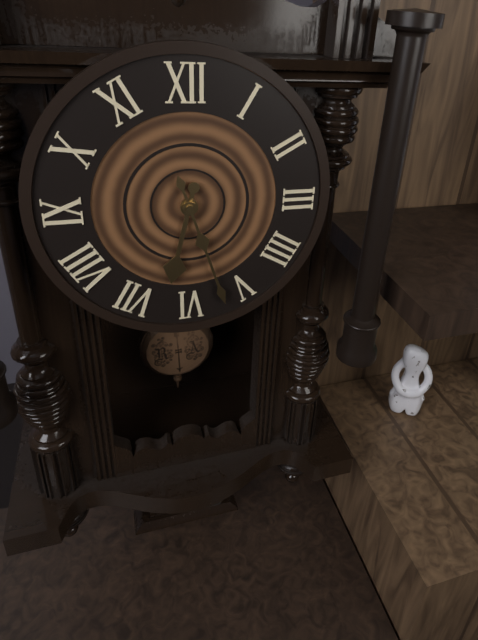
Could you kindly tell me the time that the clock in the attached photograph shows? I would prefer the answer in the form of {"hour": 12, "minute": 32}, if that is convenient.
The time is {"hour": 6, "minute": 27}
